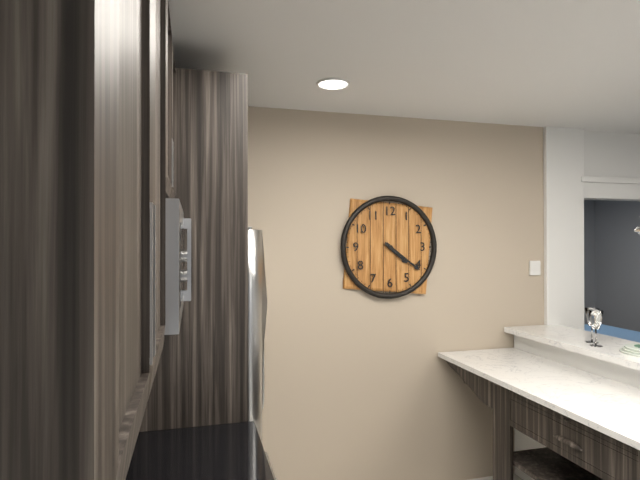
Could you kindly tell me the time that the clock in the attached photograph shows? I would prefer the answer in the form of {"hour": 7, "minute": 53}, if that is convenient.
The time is {"hour": 4, "minute": 21}
